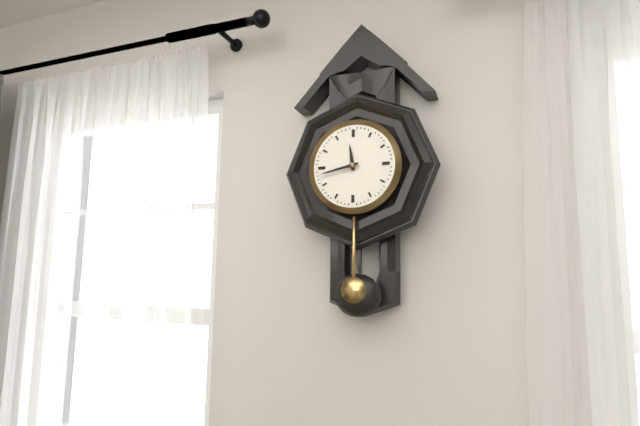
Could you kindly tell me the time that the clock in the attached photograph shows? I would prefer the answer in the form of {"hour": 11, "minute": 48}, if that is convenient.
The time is {"hour": 11, "minute": 43}
